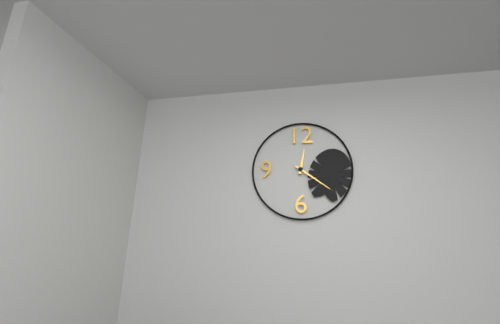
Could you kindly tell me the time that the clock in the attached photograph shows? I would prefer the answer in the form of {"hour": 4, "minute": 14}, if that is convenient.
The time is {"hour": 12, "minute": 21}
